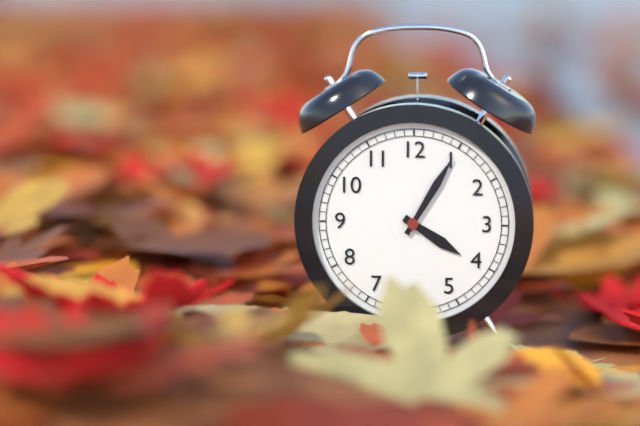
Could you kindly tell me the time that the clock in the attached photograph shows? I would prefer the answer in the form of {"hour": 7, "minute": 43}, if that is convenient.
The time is {"hour": 4, "minute": 5}
